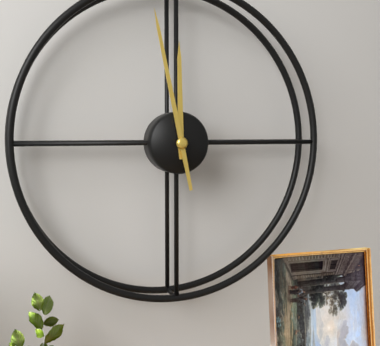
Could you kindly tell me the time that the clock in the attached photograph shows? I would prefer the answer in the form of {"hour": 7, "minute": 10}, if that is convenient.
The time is {"hour": 11, "minute": 58}
